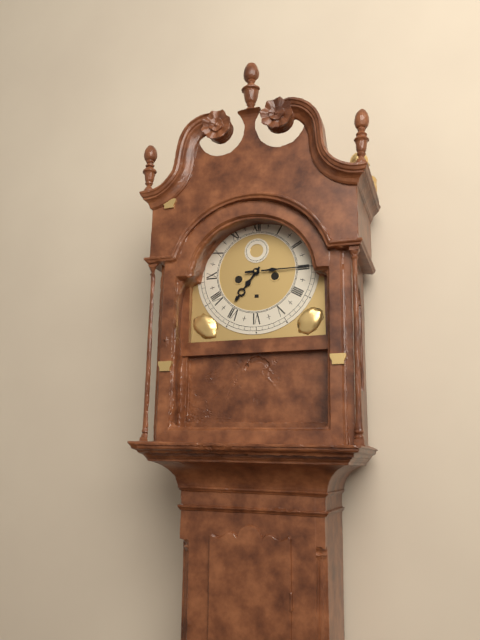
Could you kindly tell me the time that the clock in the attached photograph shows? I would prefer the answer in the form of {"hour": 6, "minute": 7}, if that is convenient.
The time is {"hour": 7, "minute": 15}
